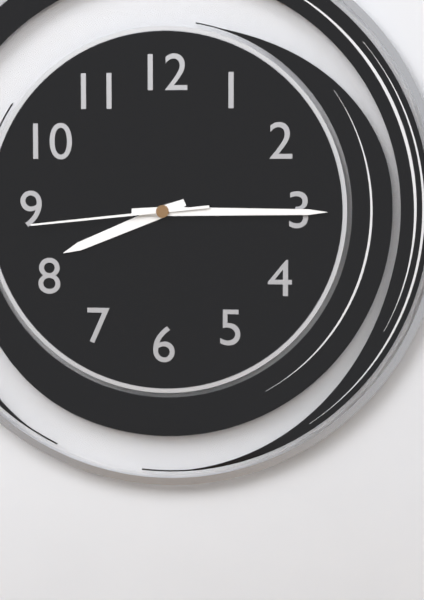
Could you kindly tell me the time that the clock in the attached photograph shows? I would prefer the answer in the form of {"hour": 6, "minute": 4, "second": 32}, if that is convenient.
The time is {"hour": 8, "minute": 15, "second": 44}
